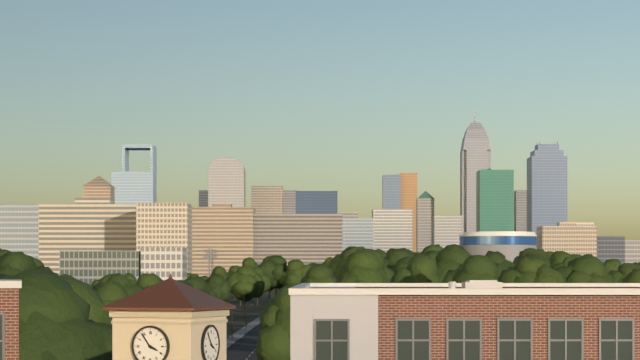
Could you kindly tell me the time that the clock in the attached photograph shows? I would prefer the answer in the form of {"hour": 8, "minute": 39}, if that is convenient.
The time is {"hour": 3, "minute": 54}
